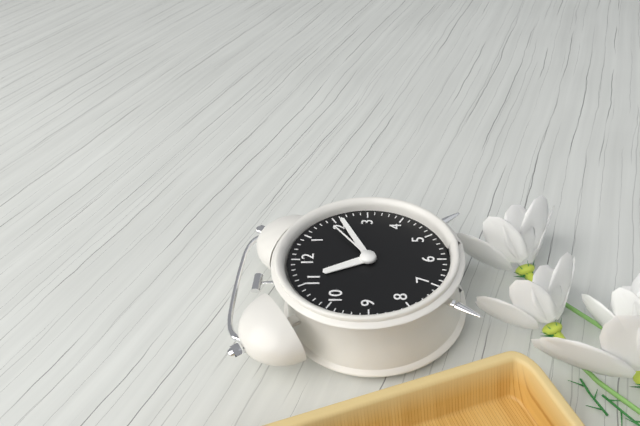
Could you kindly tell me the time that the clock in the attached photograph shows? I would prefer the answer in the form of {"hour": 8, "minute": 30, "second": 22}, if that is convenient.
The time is {"hour": 11, "minute": 11, "second": 9}
